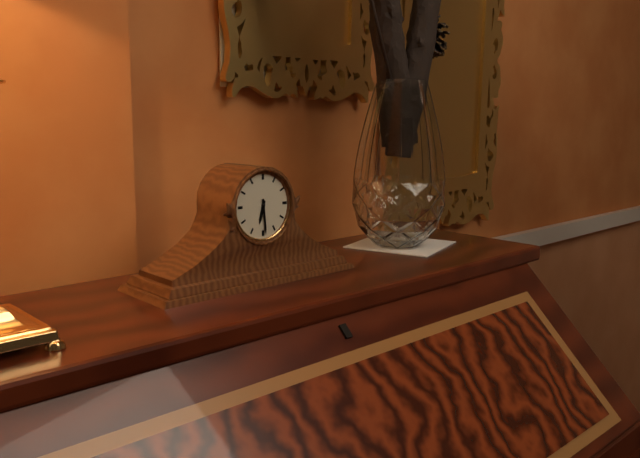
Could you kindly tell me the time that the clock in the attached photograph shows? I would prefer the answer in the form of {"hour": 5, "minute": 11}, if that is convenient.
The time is {"hour": 6, "minute": 29}
